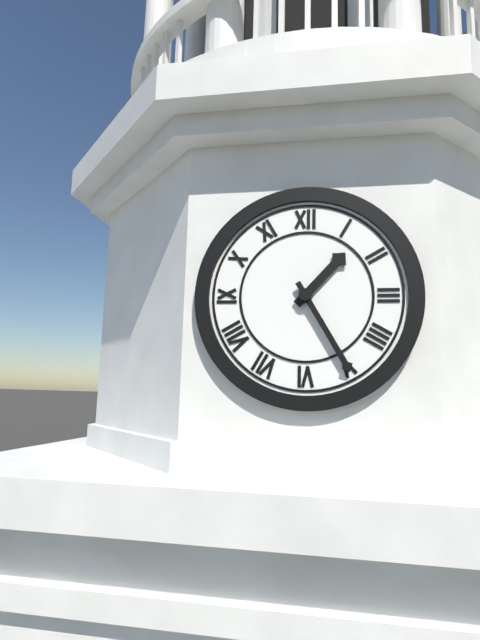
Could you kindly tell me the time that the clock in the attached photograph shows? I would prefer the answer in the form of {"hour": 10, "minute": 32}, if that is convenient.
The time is {"hour": 1, "minute": 25}
